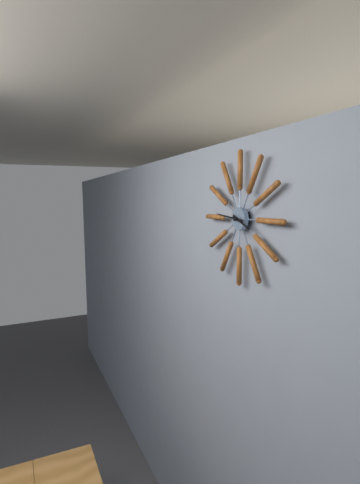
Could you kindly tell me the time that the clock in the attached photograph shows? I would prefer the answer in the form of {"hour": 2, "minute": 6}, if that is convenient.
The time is {"hour": 3, "minute": 46}
